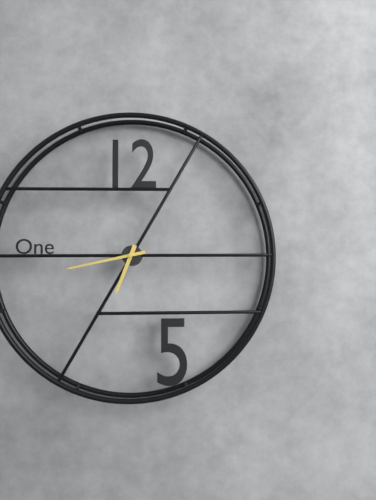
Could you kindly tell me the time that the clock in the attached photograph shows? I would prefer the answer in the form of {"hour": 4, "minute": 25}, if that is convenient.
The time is {"hour": 6, "minute": 43}
